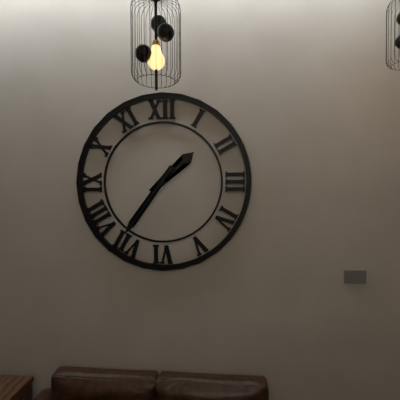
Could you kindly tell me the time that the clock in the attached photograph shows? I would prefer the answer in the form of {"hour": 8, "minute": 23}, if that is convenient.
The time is {"hour": 1, "minute": 36}
